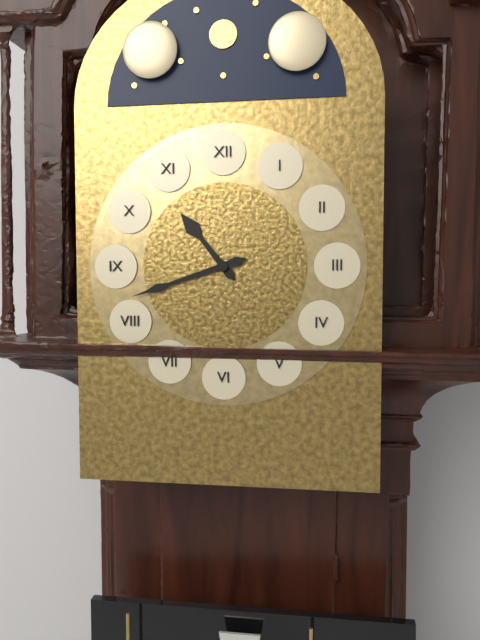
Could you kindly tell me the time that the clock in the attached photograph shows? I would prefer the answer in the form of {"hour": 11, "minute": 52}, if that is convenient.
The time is {"hour": 10, "minute": 42}
